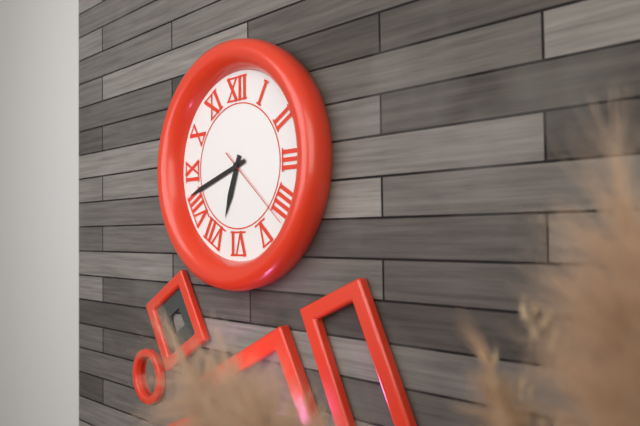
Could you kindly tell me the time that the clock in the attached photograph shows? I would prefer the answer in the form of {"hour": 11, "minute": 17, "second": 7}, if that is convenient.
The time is {"hour": 6, "minute": 42, "second": 22}
